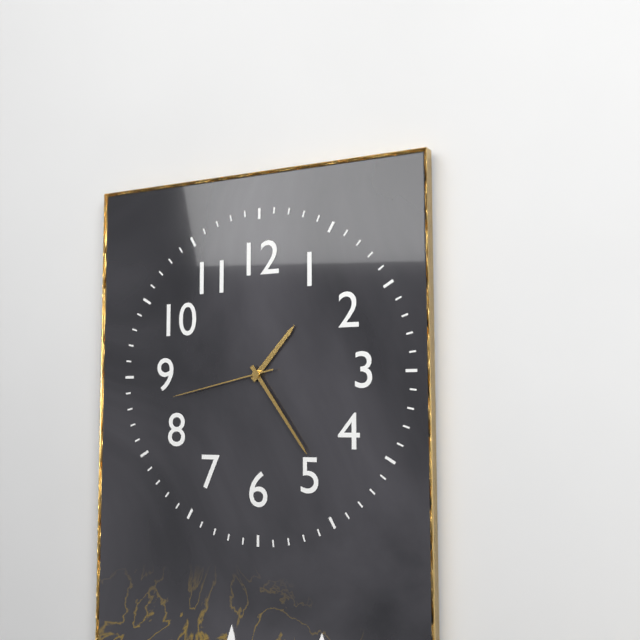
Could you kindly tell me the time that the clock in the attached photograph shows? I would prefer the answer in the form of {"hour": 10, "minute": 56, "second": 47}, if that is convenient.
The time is {"hour": 1, "minute": 24, "second": 43}
